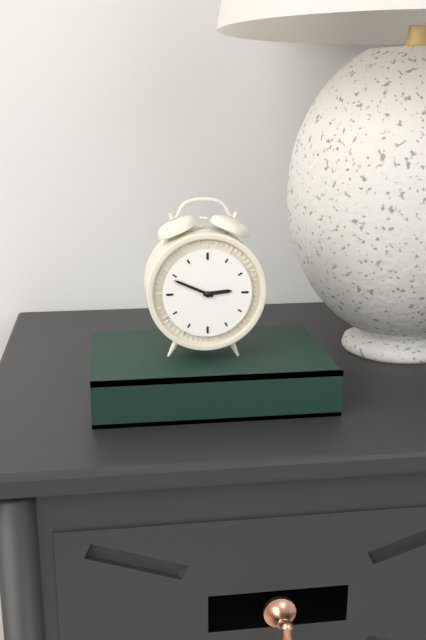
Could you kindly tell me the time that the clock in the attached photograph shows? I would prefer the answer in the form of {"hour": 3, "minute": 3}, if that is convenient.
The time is {"hour": 2, "minute": 49}
